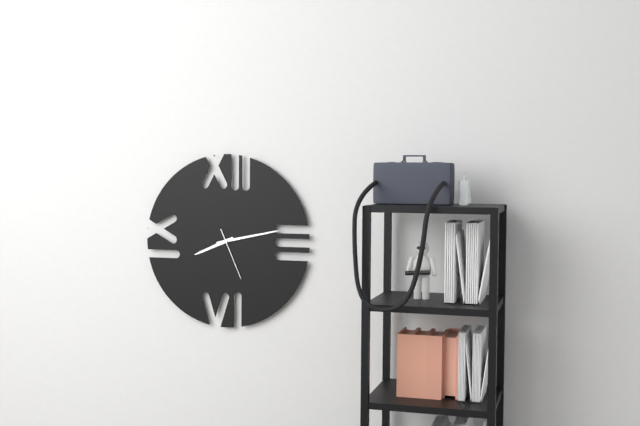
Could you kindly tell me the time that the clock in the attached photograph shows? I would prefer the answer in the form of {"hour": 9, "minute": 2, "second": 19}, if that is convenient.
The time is {"hour": 8, "minute": 13, "second": 26}
